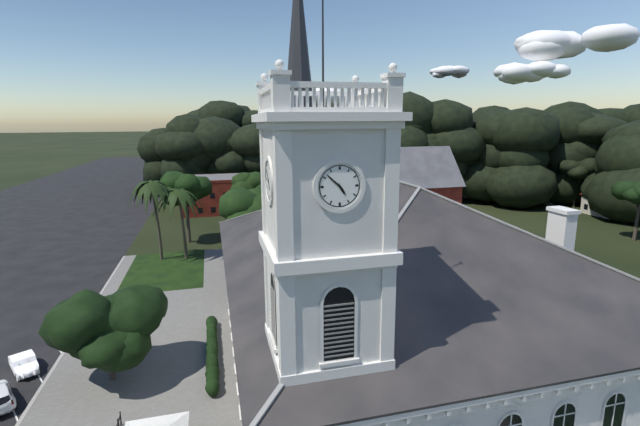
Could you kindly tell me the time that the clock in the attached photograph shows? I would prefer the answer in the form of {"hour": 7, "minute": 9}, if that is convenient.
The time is {"hour": 4, "minute": 52}
